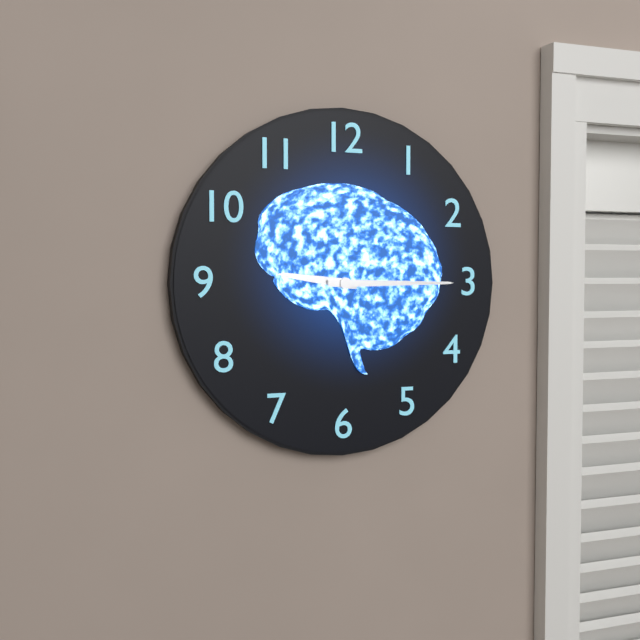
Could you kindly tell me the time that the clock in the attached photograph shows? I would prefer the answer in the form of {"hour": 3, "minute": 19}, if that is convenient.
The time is {"hour": 9, "minute": 15}
